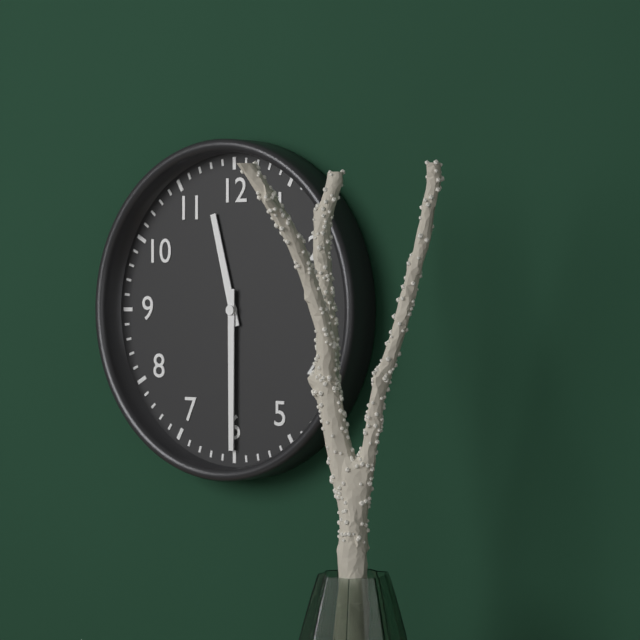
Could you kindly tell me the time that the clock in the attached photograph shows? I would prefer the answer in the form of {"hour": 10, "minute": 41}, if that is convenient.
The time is {"hour": 11, "minute": 30}
